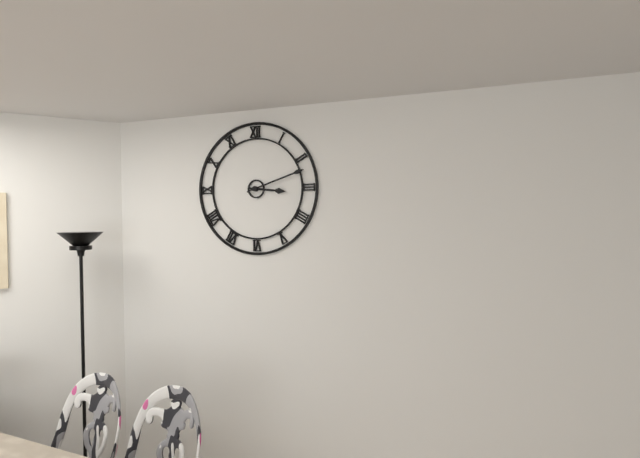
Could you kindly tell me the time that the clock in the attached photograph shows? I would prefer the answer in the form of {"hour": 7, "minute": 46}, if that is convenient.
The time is {"hour": 3, "minute": 12}
